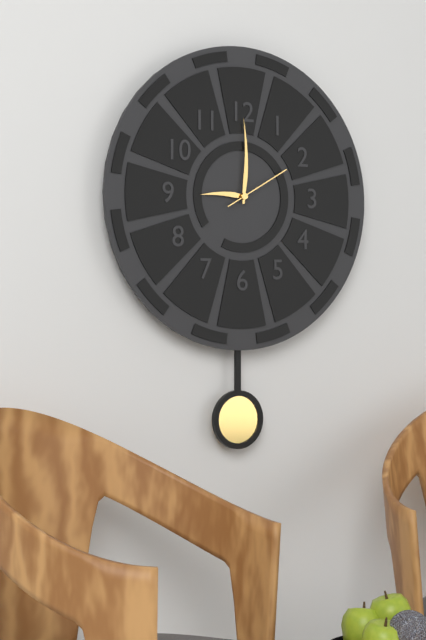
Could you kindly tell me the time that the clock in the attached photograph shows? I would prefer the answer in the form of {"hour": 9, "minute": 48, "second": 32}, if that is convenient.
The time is {"hour": 9, "minute": 0, "second": 10}
